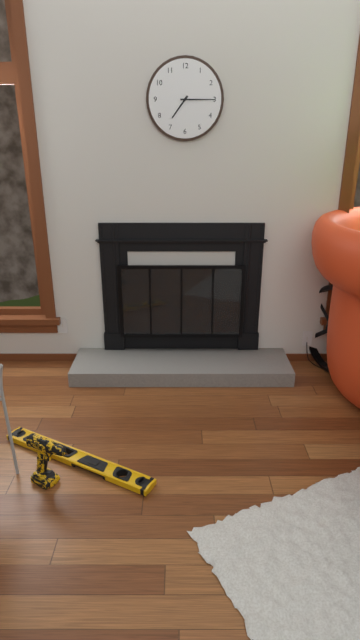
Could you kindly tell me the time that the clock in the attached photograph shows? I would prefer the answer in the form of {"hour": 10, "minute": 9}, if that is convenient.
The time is {"hour": 7, "minute": 15}
